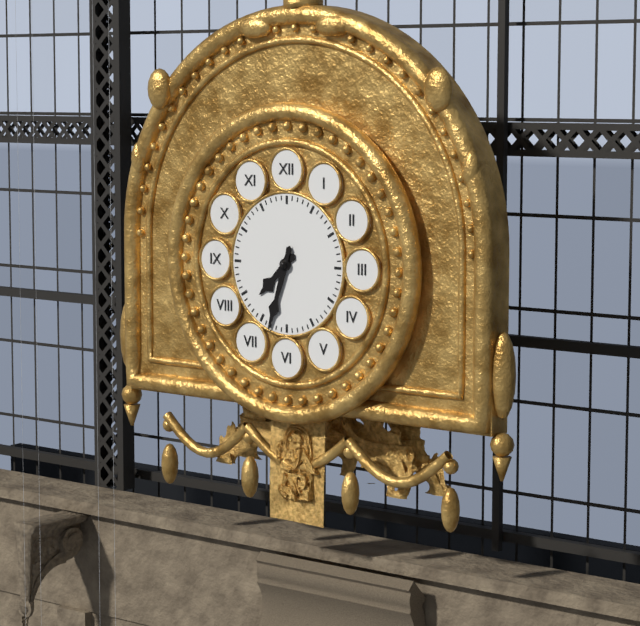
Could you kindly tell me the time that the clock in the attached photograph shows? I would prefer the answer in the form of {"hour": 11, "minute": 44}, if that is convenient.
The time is {"hour": 7, "minute": 33}
